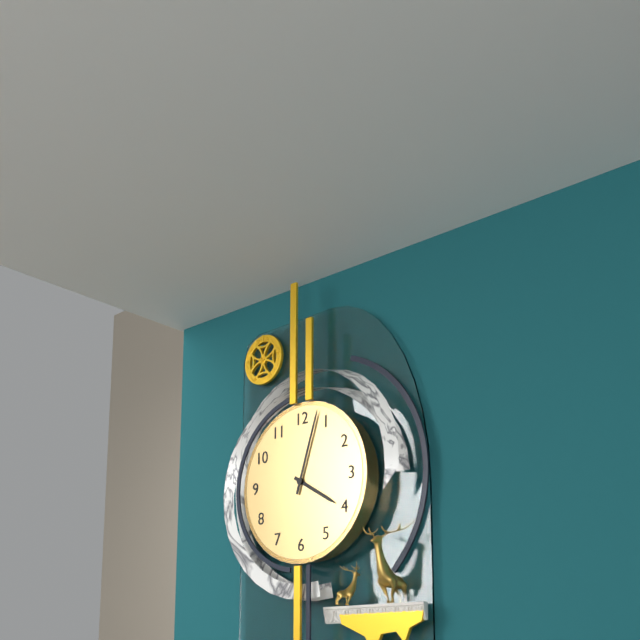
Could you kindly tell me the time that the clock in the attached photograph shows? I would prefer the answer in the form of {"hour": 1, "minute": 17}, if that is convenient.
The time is {"hour": 4, "minute": 3}
